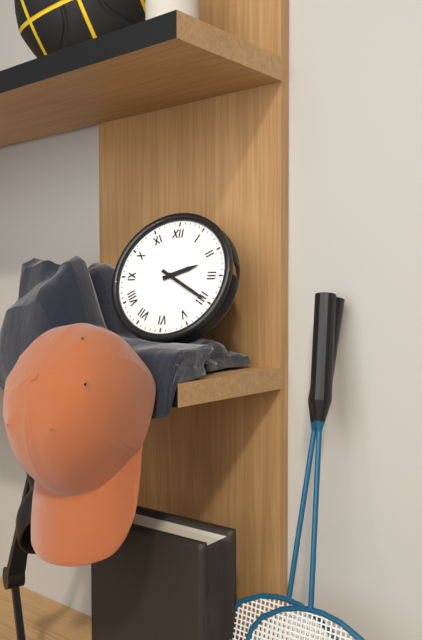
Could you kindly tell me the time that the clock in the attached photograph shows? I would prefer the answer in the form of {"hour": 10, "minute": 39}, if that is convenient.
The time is {"hour": 2, "minute": 20}
